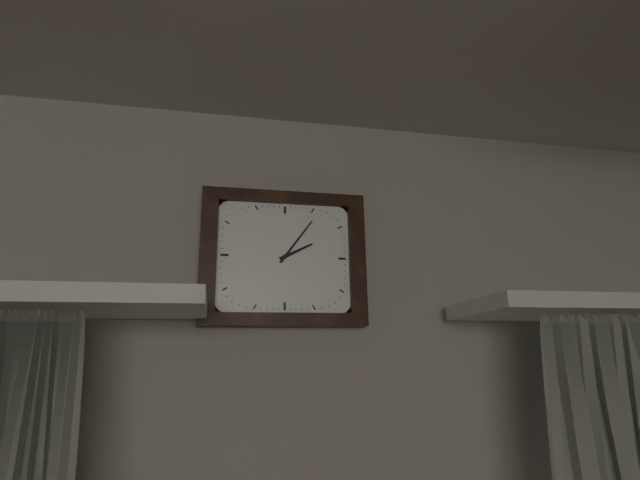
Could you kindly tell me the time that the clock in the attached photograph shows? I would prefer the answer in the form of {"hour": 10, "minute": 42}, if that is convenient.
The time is {"hour": 2, "minute": 6}
